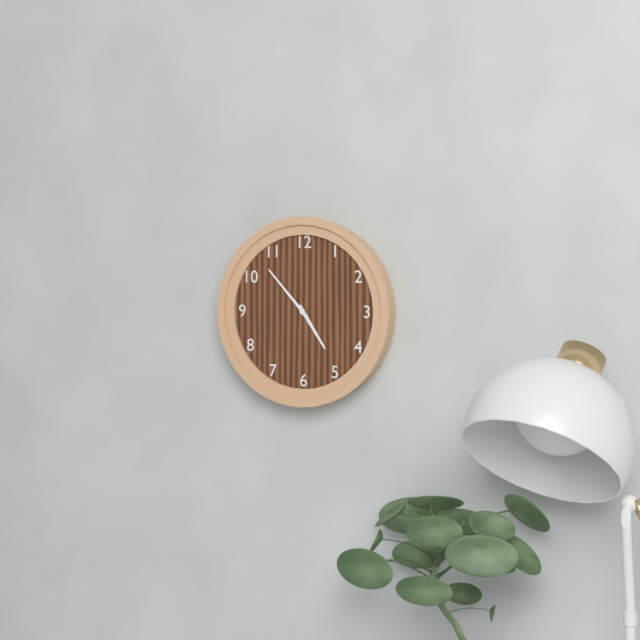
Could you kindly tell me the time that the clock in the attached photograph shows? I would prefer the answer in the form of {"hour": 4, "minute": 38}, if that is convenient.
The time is {"hour": 4, "minute": 53}
